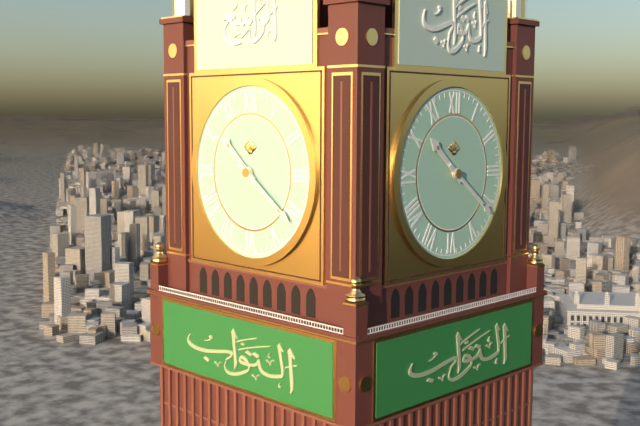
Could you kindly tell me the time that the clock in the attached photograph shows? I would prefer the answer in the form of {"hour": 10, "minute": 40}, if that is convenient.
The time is {"hour": 10, "minute": 21}
